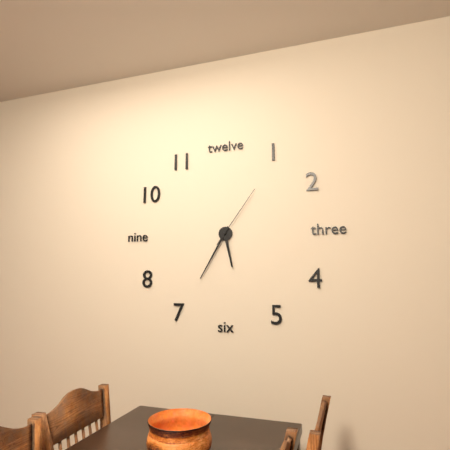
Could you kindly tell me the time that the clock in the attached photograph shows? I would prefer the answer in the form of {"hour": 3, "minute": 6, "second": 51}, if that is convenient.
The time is {"hour": 5, "minute": 35, "second": 6}
